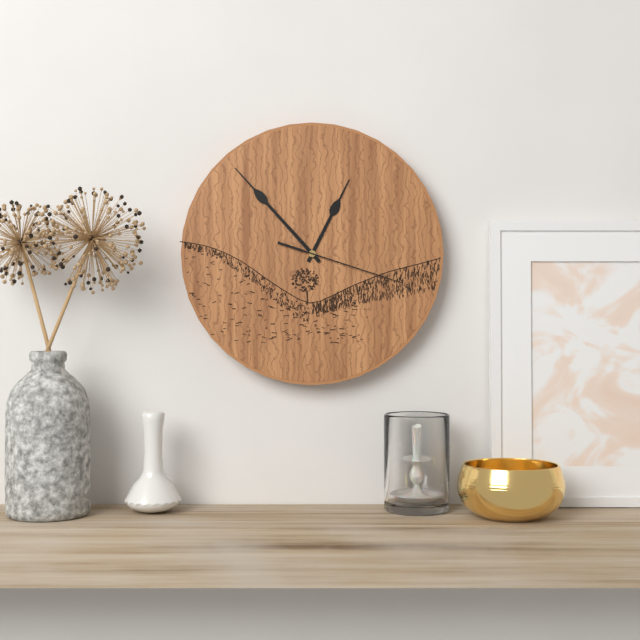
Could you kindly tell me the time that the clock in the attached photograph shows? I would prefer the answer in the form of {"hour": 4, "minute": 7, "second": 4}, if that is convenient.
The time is {"hour": 12, "minute": 53, "second": 18}
